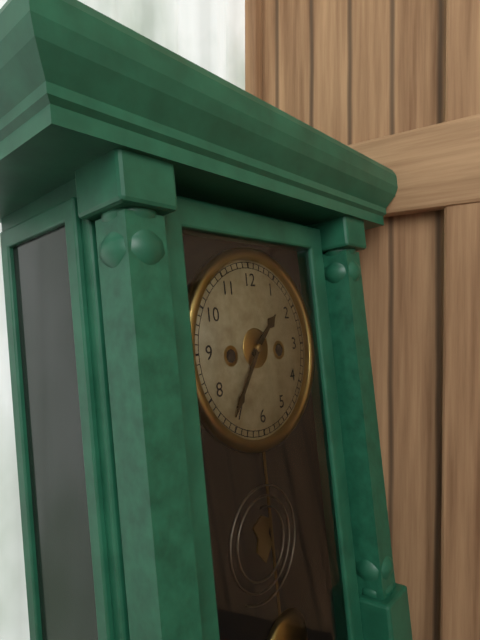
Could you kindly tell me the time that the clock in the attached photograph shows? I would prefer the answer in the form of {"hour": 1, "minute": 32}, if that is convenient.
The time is {"hour": 1, "minute": 36}
